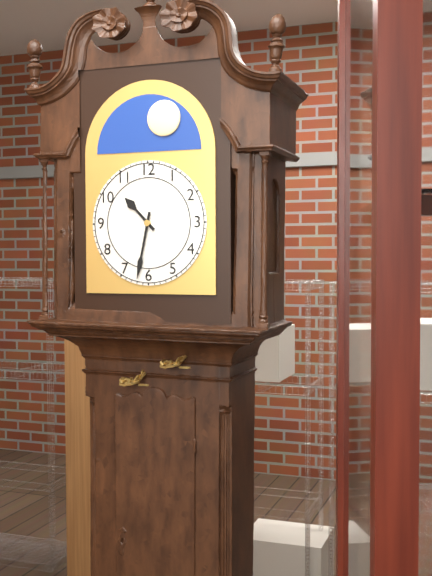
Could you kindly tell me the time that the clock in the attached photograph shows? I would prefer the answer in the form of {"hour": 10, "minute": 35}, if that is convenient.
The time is {"hour": 10, "minute": 32}
